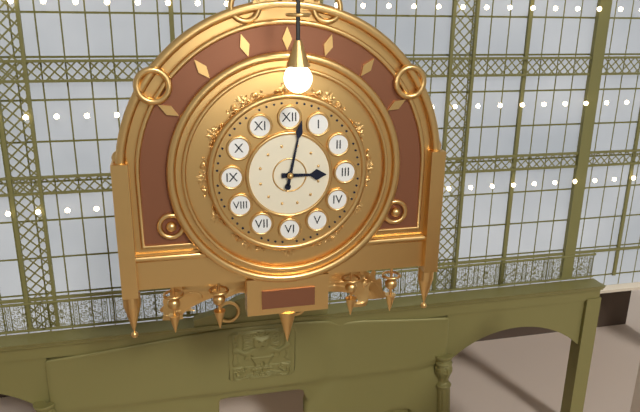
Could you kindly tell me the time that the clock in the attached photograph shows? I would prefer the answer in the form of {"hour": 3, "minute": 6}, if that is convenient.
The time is {"hour": 3, "minute": 2}
